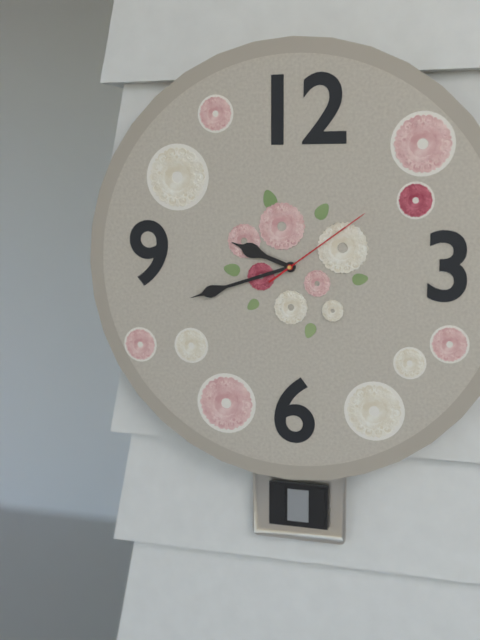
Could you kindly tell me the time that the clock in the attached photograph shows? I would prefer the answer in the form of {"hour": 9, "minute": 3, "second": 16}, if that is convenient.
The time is {"hour": 9, "minute": 42, "second": 9}
